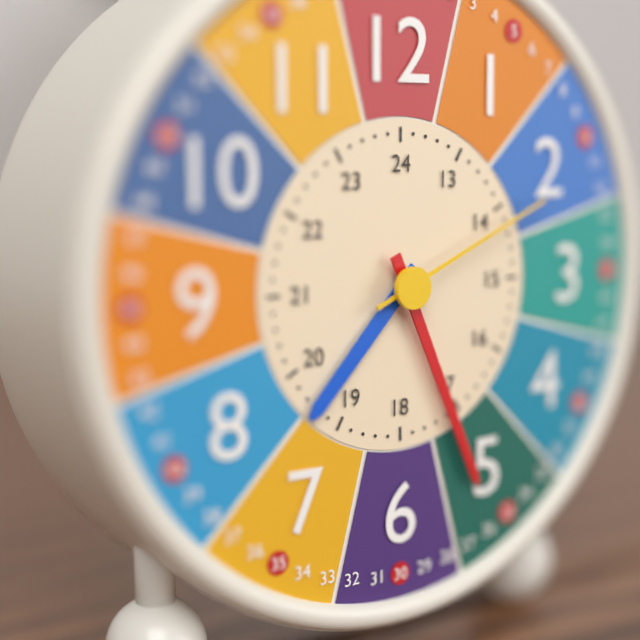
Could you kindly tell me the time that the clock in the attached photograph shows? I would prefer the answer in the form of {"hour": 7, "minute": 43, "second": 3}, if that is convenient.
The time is {"hour": 7, "minute": 26, "second": 11}
